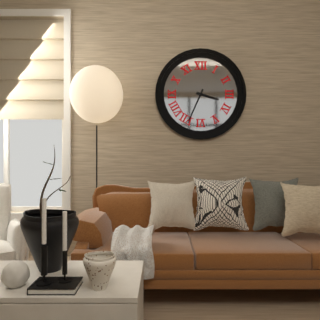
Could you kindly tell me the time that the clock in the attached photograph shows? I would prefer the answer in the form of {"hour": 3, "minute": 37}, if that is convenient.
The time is {"hour": 3, "minute": 34}
